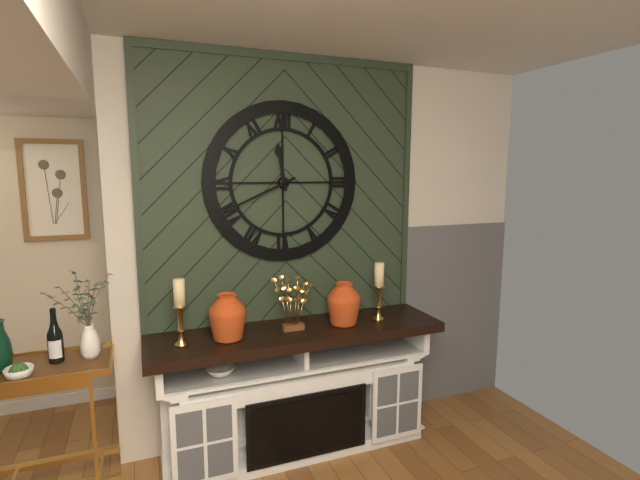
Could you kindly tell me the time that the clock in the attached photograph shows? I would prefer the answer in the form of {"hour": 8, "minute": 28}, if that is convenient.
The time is {"hour": 11, "minute": 41}
